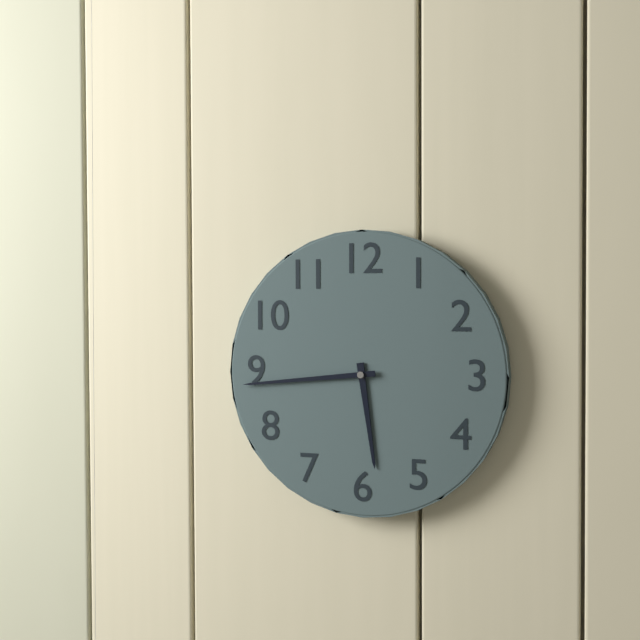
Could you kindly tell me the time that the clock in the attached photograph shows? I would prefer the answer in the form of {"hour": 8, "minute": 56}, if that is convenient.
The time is {"hour": 5, "minute": 44}
